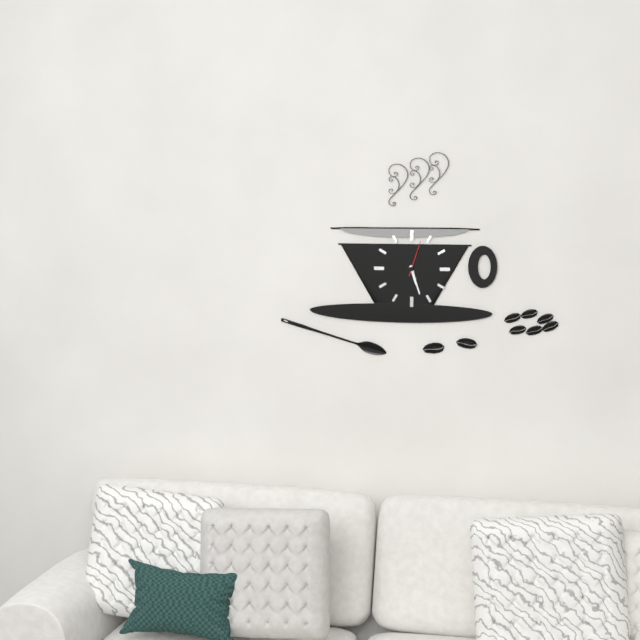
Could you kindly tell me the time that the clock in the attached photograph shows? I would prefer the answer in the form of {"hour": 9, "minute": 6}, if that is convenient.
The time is {"hour": 5, "minute": 27}
